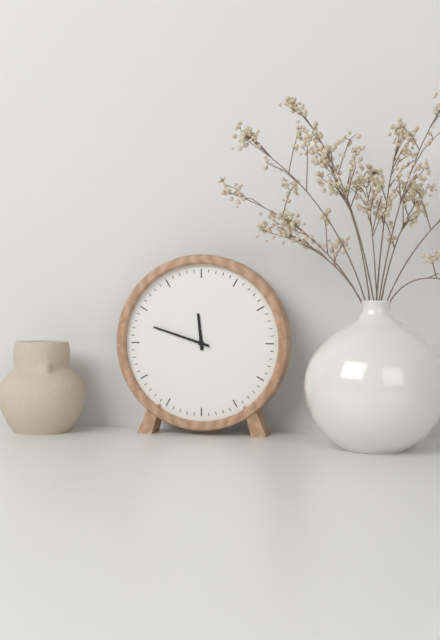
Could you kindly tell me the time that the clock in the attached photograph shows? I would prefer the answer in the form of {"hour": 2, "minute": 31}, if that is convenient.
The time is {"hour": 11, "minute": 48}
